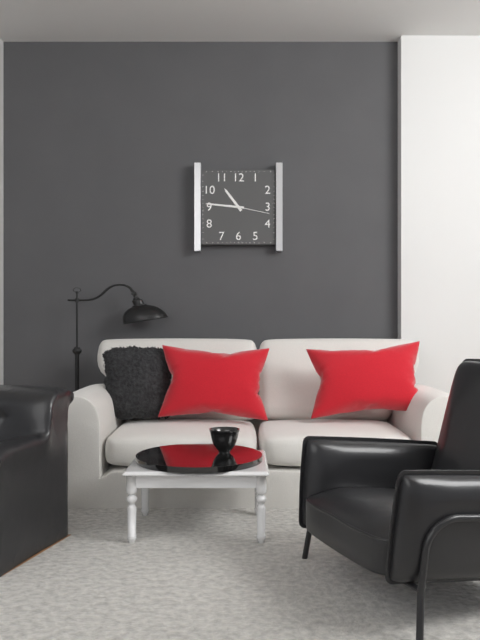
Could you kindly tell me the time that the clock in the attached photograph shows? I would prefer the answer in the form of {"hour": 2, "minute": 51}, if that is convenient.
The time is {"hour": 10, "minute": 46}
